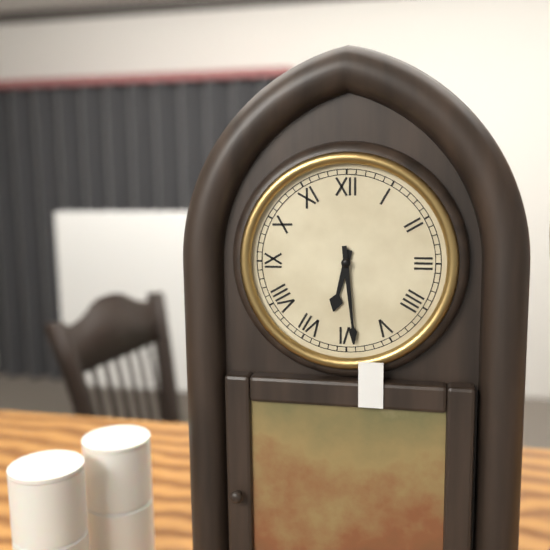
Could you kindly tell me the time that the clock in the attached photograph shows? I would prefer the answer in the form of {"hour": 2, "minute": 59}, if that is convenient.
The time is {"hour": 6, "minute": 29}
